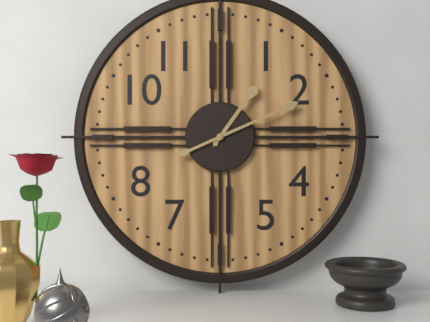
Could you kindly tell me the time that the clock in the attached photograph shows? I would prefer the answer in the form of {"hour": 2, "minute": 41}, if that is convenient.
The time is {"hour": 1, "minute": 11}
